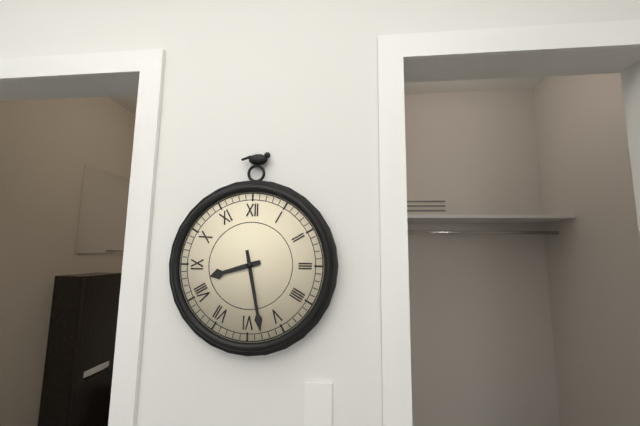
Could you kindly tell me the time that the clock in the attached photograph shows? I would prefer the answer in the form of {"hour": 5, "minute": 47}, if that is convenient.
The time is {"hour": 8, "minute": 28}
